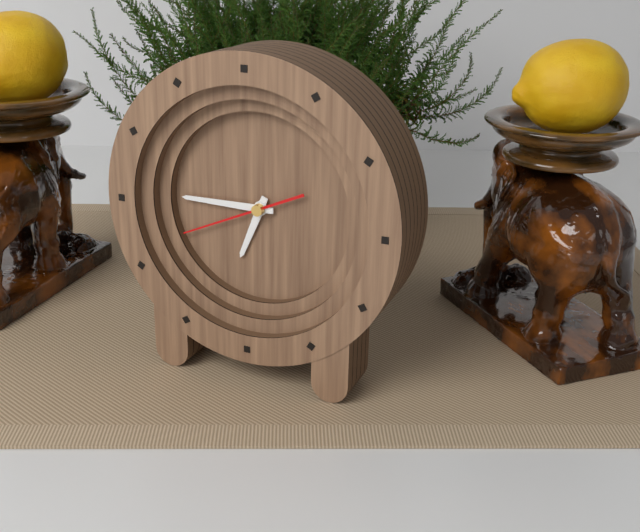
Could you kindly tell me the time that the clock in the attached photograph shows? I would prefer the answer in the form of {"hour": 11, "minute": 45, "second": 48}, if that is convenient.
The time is {"hour": 6, "minute": 45, "second": 41}
